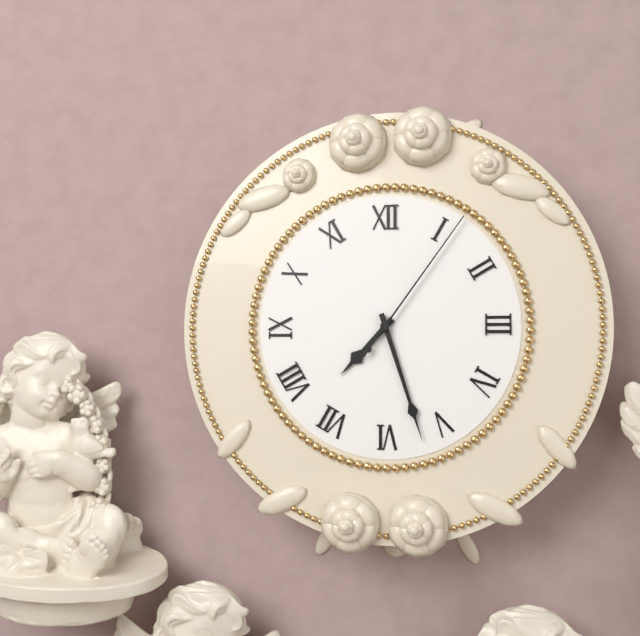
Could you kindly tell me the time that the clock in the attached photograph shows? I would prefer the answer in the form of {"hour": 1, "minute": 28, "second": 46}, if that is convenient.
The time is {"hour": 7, "minute": 27, "second": 6}
